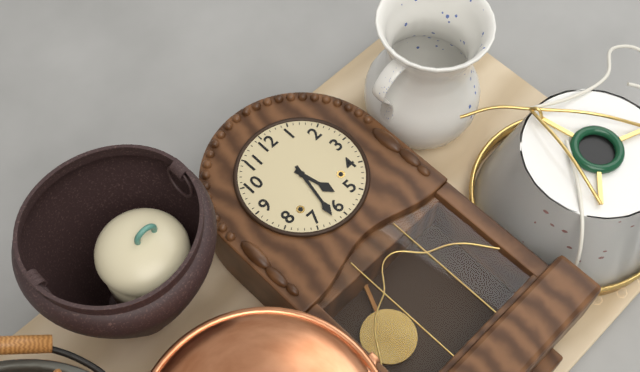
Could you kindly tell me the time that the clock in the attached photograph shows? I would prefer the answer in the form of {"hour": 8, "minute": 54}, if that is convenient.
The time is {"hour": 5, "minute": 32}
